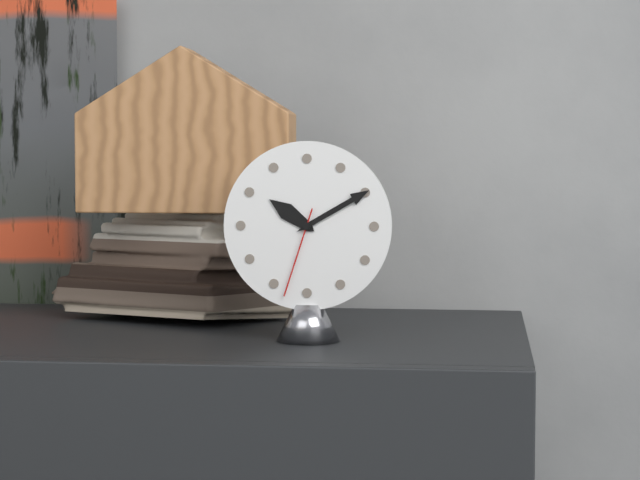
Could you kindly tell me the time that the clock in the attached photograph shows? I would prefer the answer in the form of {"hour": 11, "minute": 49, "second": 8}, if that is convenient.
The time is {"hour": 10, "minute": 10, "second": 33}
